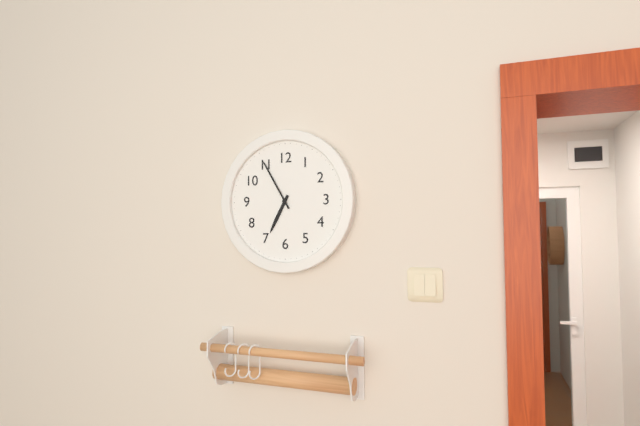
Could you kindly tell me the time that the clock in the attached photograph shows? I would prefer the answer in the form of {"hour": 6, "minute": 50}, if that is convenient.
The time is {"hour": 6, "minute": 55}
